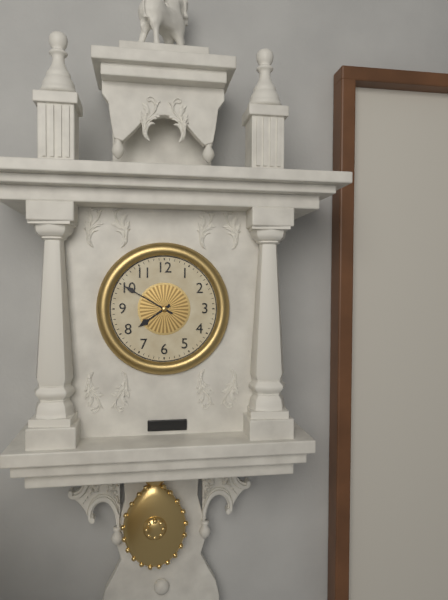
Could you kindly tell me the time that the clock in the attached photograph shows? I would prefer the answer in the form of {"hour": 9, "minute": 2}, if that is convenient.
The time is {"hour": 7, "minute": 50}
